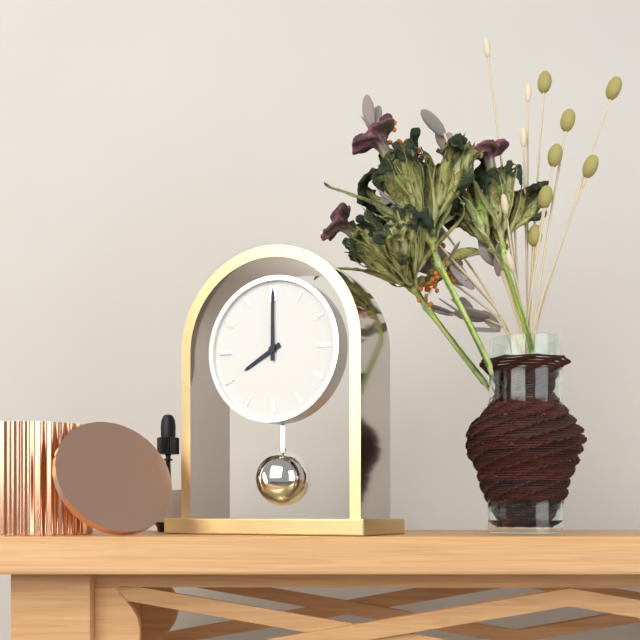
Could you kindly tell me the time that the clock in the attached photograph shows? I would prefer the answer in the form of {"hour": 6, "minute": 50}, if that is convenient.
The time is {"hour": 8, "minute": 0}
